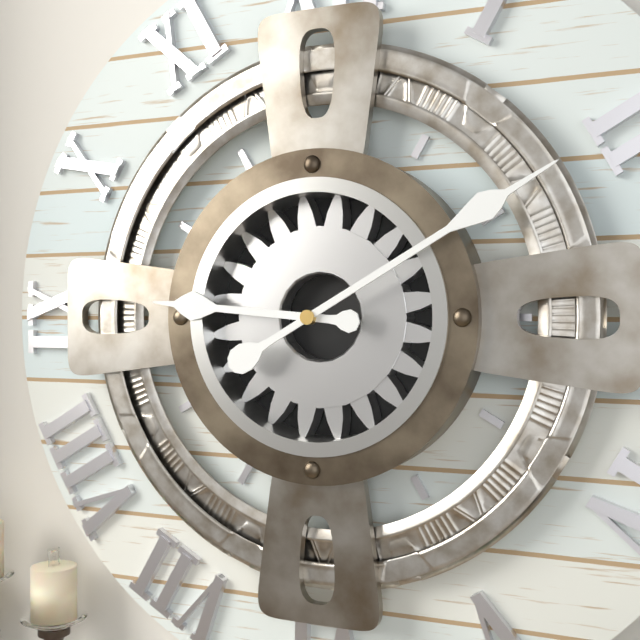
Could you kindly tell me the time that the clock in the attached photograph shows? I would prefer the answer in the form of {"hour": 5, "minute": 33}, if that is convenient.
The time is {"hour": 9, "minute": 10}
